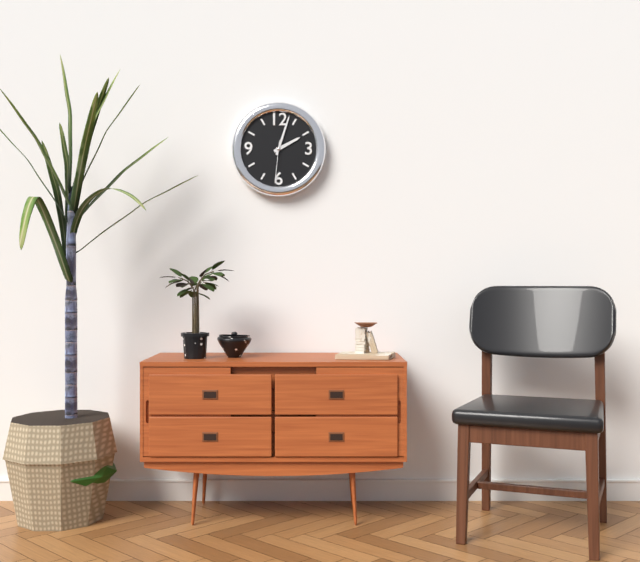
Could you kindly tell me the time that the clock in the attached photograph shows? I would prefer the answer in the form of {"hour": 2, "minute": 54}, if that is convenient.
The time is {"hour": 2, "minute": 3}
